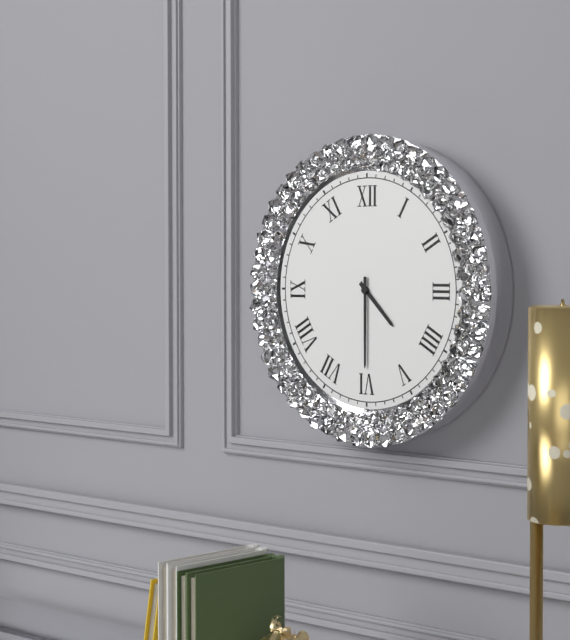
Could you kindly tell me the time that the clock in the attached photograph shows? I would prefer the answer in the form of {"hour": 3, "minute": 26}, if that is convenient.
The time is {"hour": 4, "minute": 30}
